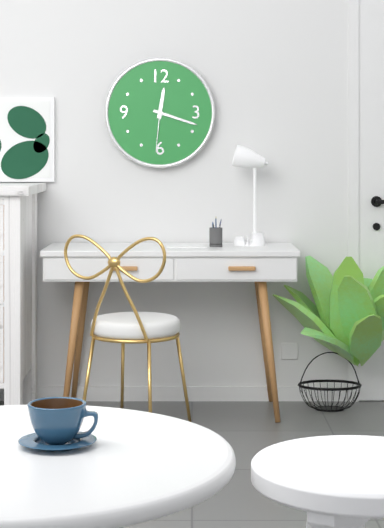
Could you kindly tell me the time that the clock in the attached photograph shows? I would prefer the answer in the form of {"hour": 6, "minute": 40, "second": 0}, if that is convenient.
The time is {"hour": 12, "minute": 18, "second": 31}
